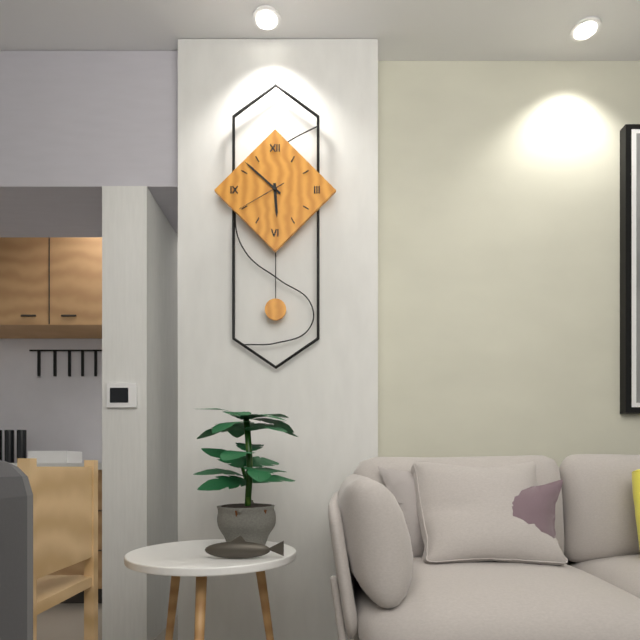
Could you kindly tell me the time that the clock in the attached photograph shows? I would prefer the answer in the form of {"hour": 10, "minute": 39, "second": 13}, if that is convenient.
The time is {"hour": 5, "minute": 52, "second": 40}
